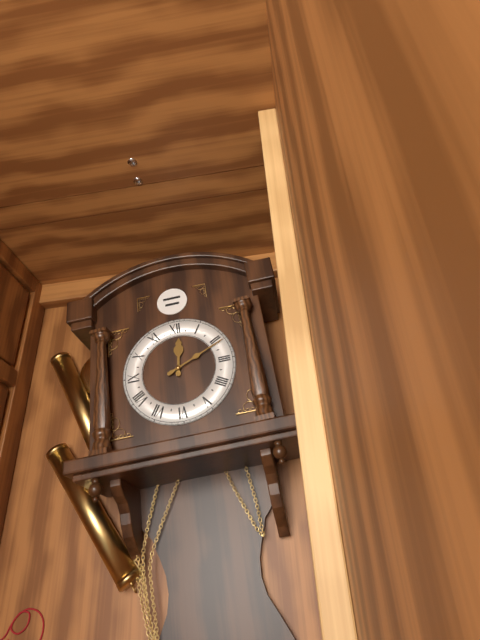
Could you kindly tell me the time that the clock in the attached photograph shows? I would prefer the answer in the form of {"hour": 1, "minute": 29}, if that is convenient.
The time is {"hour": 12, "minute": 11}
